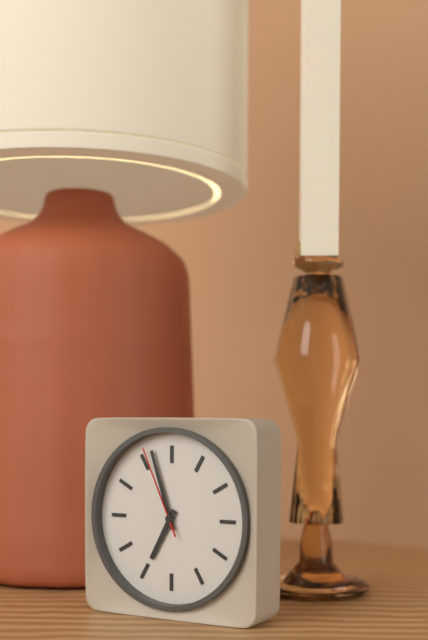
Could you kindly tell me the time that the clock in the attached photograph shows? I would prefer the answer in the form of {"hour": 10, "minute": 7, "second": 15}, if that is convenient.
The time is {"hour": 6, "minute": 57, "second": 56}
